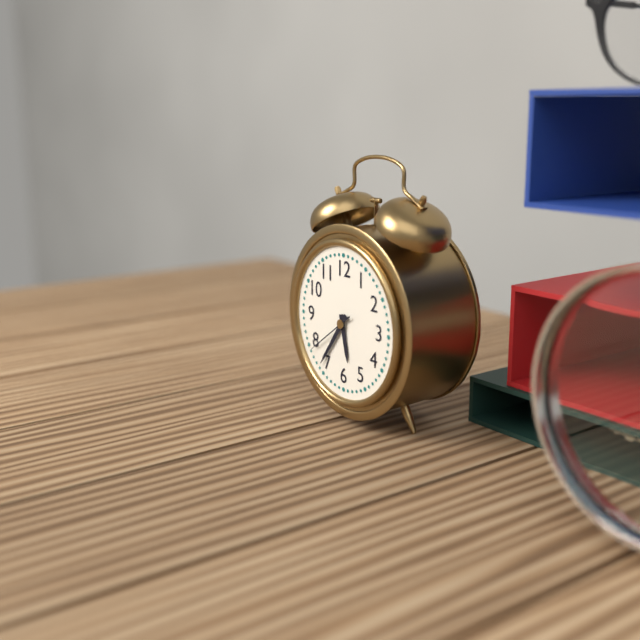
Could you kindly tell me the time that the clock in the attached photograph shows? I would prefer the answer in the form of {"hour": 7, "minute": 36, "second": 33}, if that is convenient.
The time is {"hour": 5, "minute": 36, "second": 39}
